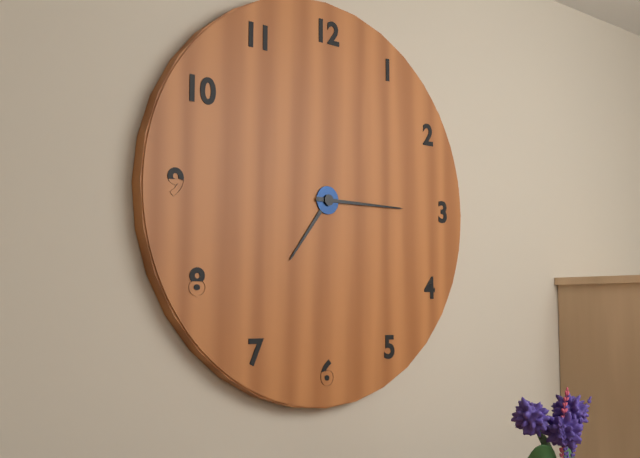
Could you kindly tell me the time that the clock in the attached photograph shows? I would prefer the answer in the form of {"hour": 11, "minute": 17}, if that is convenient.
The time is {"hour": 7, "minute": 15}
